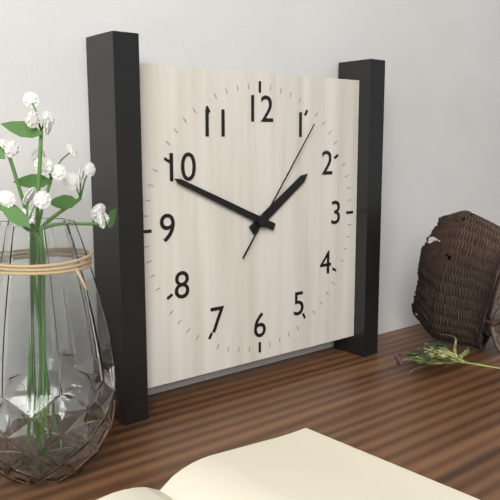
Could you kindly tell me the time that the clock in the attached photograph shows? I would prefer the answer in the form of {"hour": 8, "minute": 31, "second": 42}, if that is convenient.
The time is {"hour": 1, "minute": 49, "second": 6}
